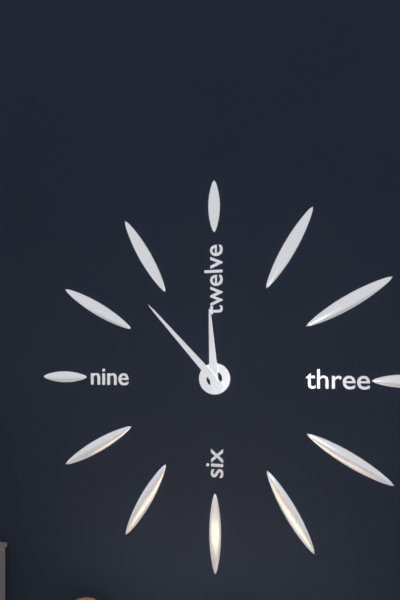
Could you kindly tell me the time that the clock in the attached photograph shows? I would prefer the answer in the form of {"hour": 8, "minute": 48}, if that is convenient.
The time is {"hour": 11, "minute": 53}
